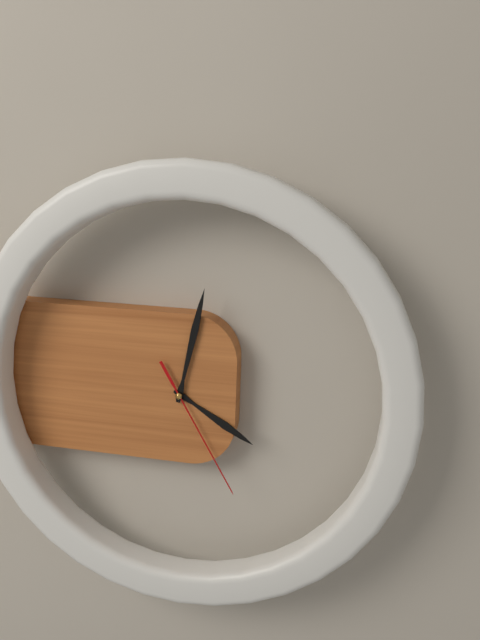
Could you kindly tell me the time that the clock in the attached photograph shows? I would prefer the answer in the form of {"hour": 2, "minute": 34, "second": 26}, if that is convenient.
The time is {"hour": 4, "minute": 2, "second": 25}
